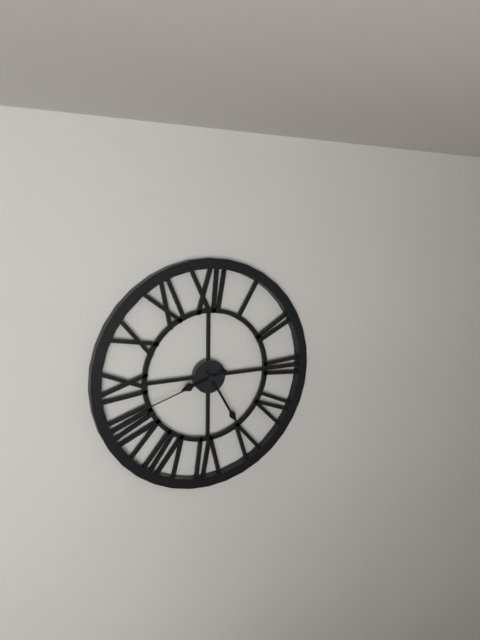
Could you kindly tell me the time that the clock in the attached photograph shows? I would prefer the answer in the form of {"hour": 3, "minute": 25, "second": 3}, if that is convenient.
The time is {"hour": 8, "minute": 25, "second": 42}
